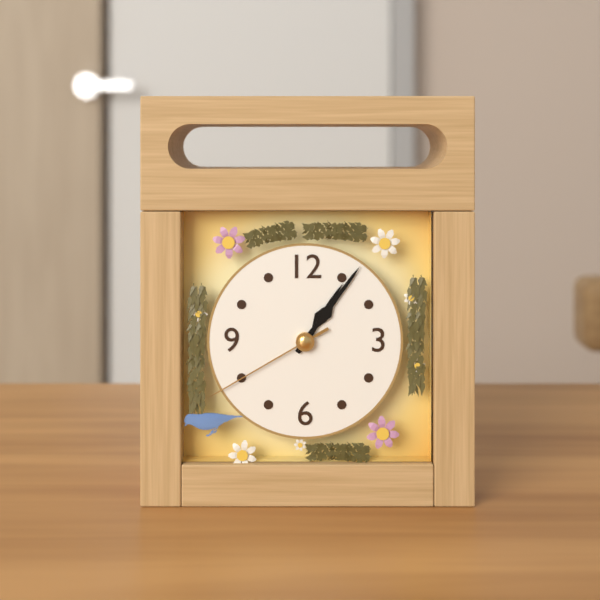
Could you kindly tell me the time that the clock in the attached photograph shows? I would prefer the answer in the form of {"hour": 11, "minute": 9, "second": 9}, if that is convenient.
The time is {"hour": 1, "minute": 6, "second": 40}
